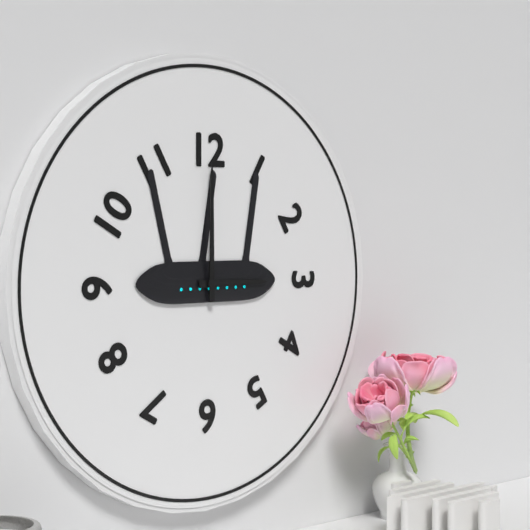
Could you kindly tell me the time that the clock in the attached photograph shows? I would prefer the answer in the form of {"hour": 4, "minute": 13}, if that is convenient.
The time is {"hour": 3, "minute": 0}
